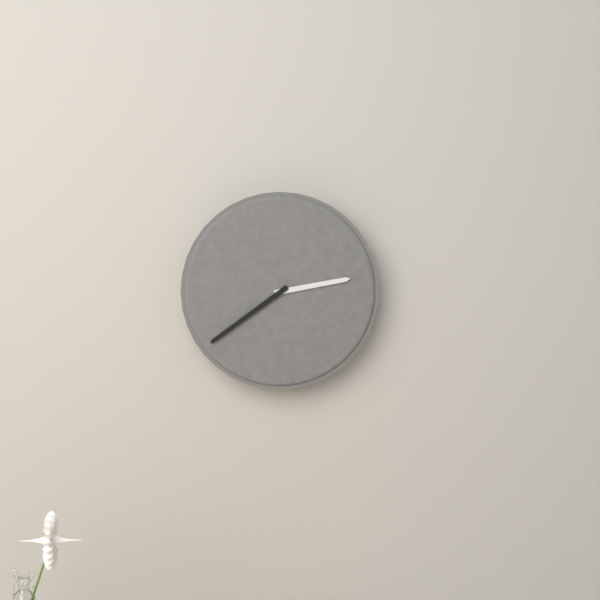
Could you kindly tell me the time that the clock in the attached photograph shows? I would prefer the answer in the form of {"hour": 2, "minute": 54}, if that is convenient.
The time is {"hour": 2, "minute": 39}
